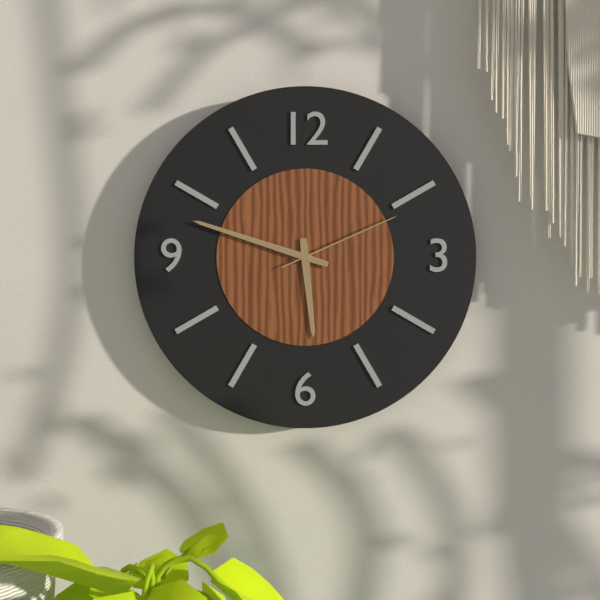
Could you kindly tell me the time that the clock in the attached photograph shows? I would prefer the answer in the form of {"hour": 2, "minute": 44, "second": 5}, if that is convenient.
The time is {"hour": 5, "minute": 48, "second": 11}
